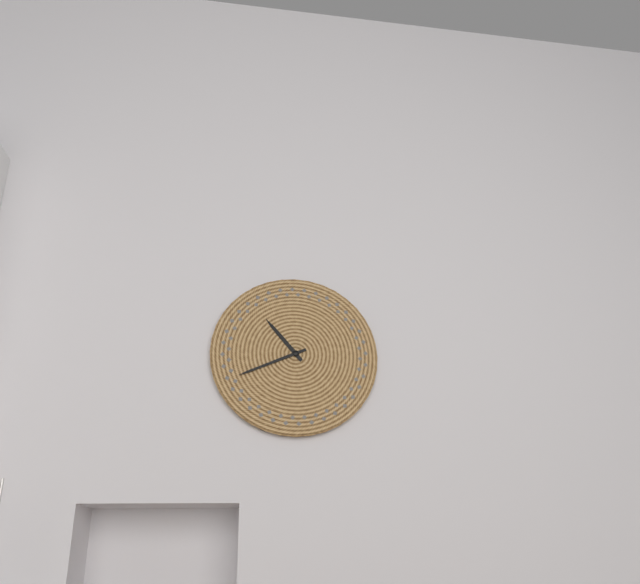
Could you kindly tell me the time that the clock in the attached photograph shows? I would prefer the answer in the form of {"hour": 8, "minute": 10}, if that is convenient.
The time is {"hour": 10, "minute": 41}
